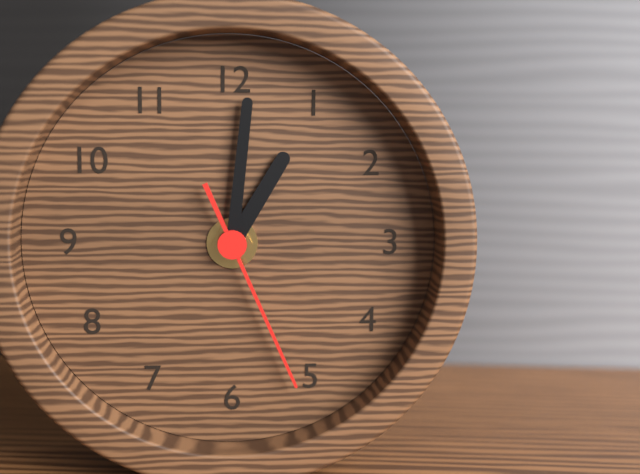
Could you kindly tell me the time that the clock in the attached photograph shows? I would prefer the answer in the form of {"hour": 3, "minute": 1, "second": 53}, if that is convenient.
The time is {"hour": 1, "minute": 1, "second": 26}
